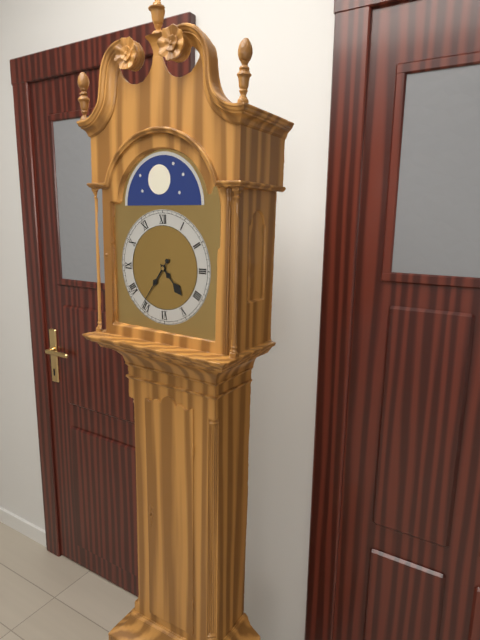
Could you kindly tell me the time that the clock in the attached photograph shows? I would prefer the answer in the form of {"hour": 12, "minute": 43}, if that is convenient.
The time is {"hour": 4, "minute": 36}
